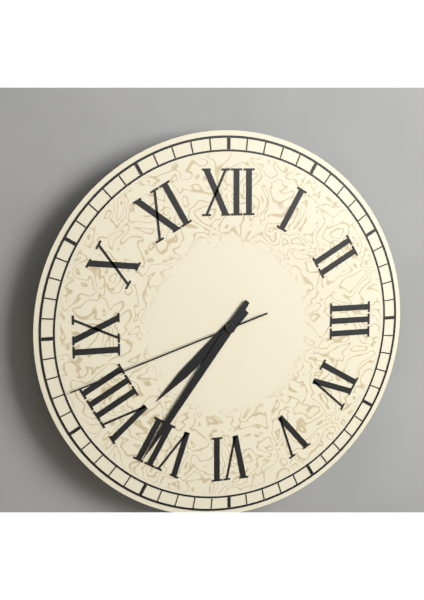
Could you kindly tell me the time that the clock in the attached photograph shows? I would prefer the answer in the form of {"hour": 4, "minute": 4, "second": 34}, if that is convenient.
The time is {"hour": 7, "minute": 36, "second": 42}
